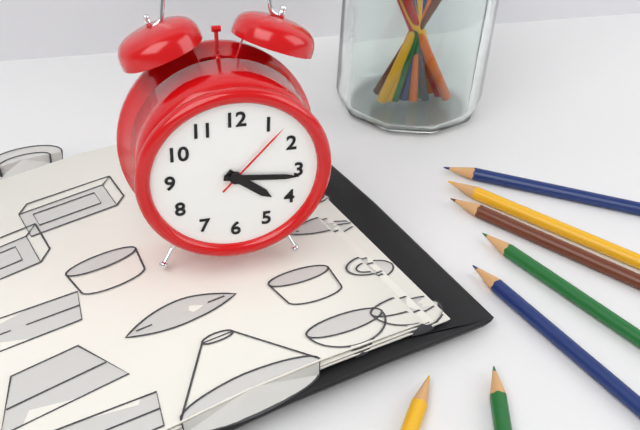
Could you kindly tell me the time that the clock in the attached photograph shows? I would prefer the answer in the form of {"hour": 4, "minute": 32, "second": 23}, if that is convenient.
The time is {"hour": 4, "minute": 16, "second": 7}
